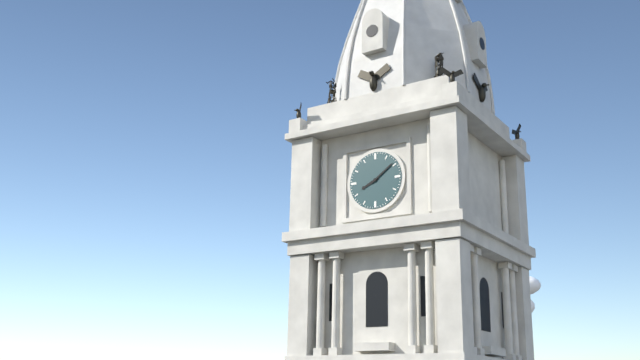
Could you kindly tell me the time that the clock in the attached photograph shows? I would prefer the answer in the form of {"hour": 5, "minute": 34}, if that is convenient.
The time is {"hour": 8, "minute": 9}
